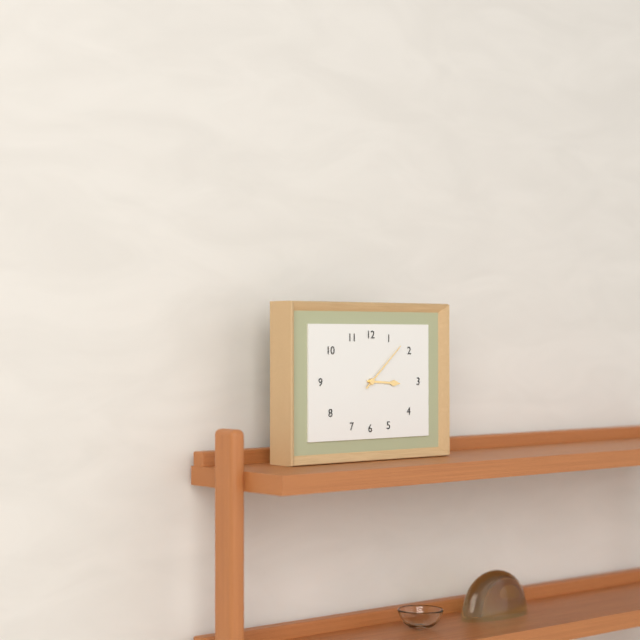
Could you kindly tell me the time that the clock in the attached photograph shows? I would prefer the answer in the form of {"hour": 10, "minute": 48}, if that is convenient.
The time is {"hour": 3, "minute": 8}
